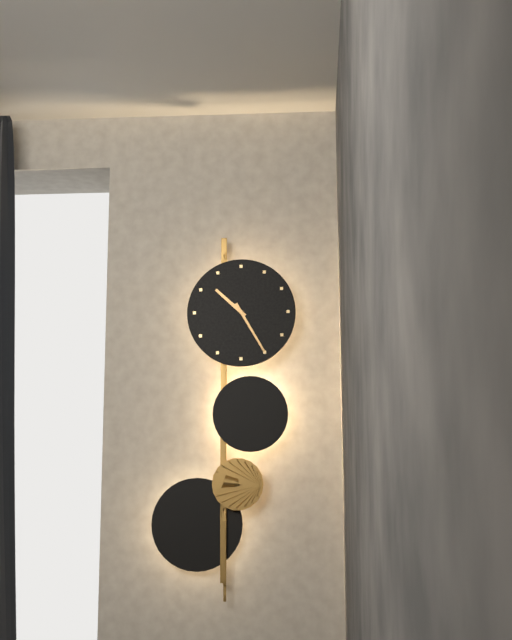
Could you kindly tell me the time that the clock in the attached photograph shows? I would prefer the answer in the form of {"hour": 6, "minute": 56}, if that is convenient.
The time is {"hour": 10, "minute": 25}
